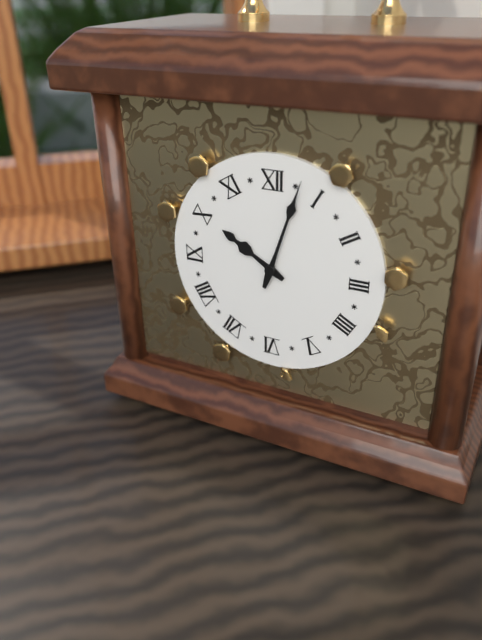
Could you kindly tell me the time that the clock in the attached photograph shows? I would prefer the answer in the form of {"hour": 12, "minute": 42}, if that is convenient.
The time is {"hour": 10, "minute": 3}
